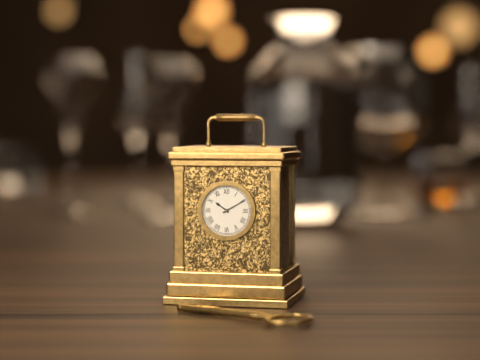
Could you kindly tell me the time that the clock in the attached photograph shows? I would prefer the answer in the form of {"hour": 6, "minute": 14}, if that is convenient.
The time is {"hour": 10, "minute": 10}
